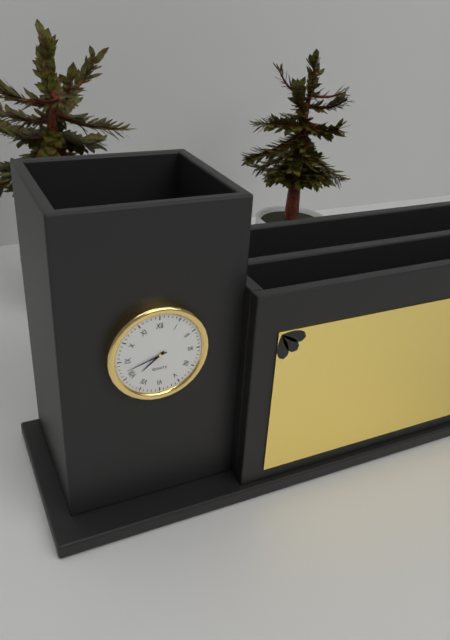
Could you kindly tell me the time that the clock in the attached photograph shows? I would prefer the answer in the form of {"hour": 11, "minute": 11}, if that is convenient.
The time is {"hour": 7, "minute": 42}
